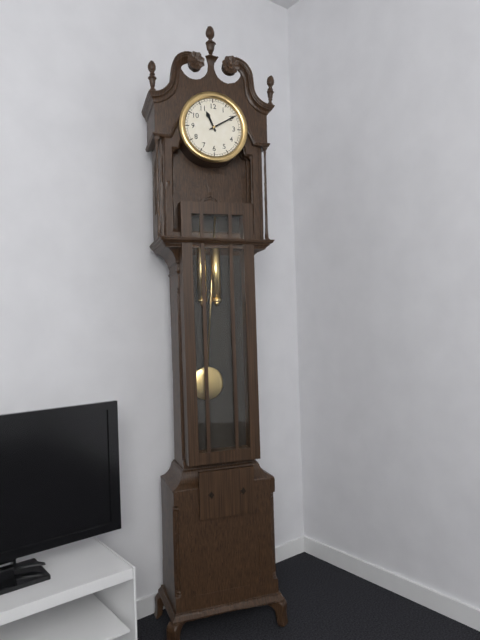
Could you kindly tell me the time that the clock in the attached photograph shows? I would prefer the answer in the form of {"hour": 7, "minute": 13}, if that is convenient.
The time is {"hour": 11, "minute": 10}
